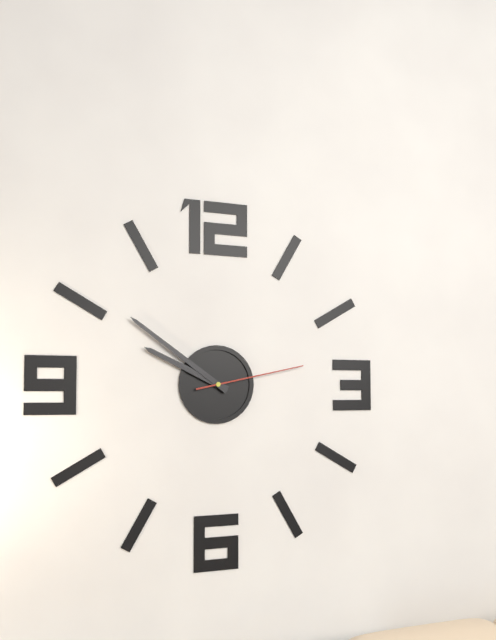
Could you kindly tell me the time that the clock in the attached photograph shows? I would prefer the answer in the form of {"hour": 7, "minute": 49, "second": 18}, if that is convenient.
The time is {"hour": 9, "minute": 51, "second": 13}
